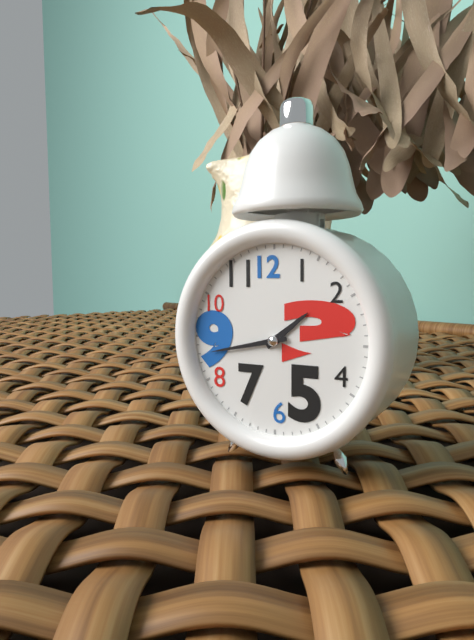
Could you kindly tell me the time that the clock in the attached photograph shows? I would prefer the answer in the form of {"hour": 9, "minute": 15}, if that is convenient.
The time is {"hour": 1, "minute": 43}
